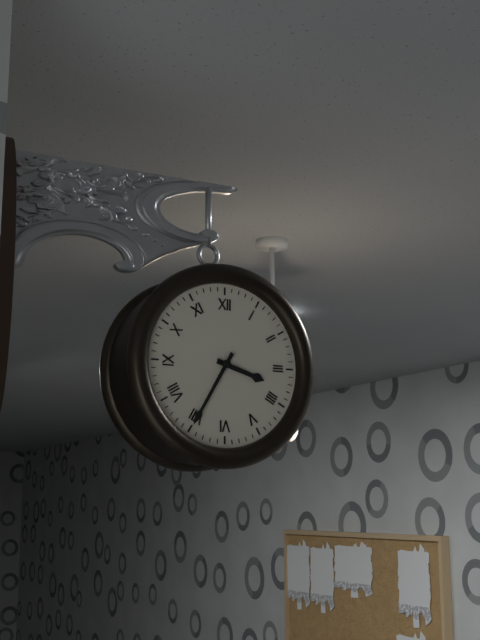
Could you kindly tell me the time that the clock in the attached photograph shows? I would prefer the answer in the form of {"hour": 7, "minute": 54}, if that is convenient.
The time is {"hour": 3, "minute": 35}
